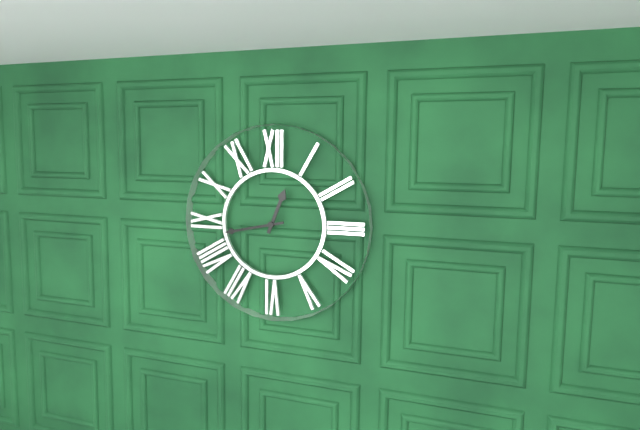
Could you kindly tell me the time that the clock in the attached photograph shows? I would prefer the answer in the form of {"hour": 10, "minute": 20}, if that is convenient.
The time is {"hour": 12, "minute": 43}
